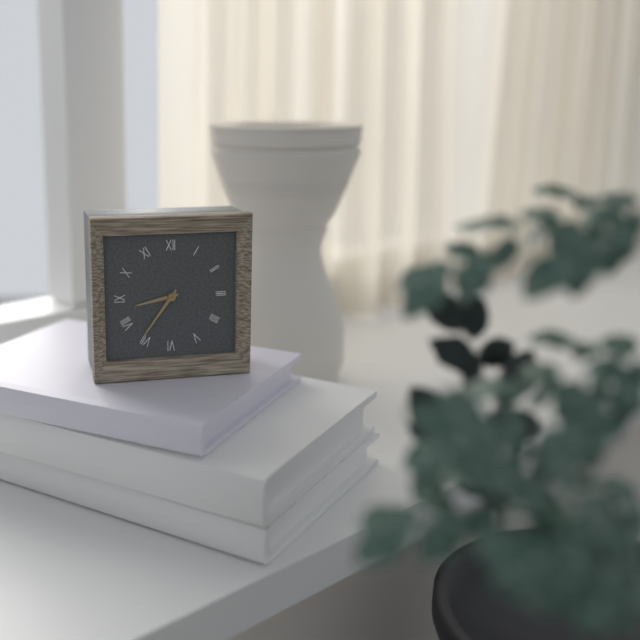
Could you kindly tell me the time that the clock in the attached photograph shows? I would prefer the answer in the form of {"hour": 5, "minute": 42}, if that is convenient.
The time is {"hour": 8, "minute": 36}
